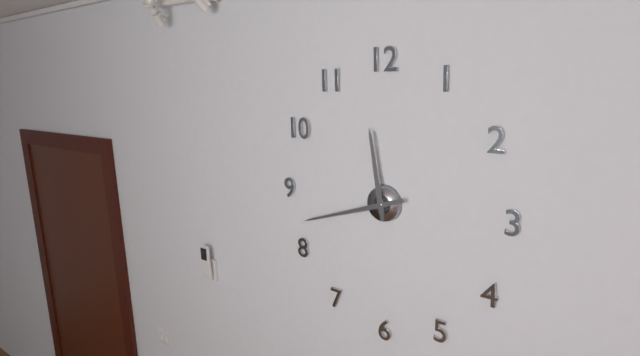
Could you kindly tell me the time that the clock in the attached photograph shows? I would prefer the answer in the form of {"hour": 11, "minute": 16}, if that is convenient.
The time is {"hour": 11, "minute": 42}
